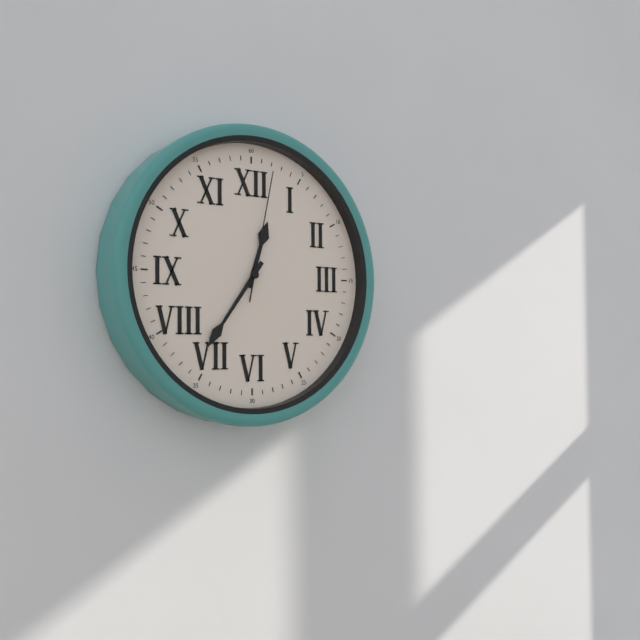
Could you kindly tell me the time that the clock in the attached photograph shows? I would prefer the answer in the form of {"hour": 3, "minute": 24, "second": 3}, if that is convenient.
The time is {"hour": 12, "minute": 36, "second": 2}
